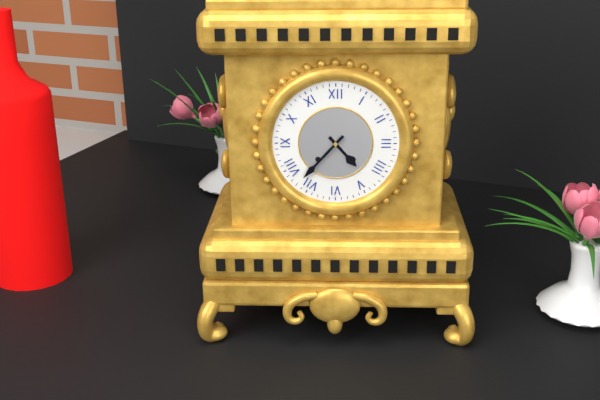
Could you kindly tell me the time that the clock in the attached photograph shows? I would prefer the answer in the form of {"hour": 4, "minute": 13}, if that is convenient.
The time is {"hour": 4, "minute": 37}
